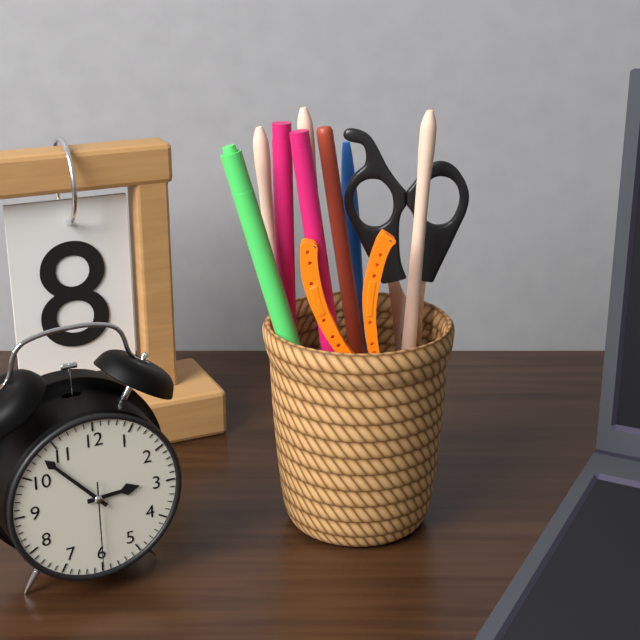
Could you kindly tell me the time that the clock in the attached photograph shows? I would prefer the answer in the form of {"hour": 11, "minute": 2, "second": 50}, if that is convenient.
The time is {"hour": 2, "minute": 53, "second": 30}
